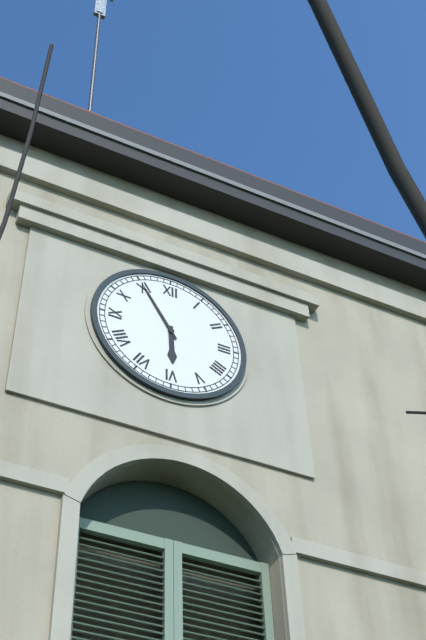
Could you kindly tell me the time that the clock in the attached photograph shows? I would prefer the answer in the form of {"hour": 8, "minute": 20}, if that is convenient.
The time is {"hour": 5, "minute": 55}
